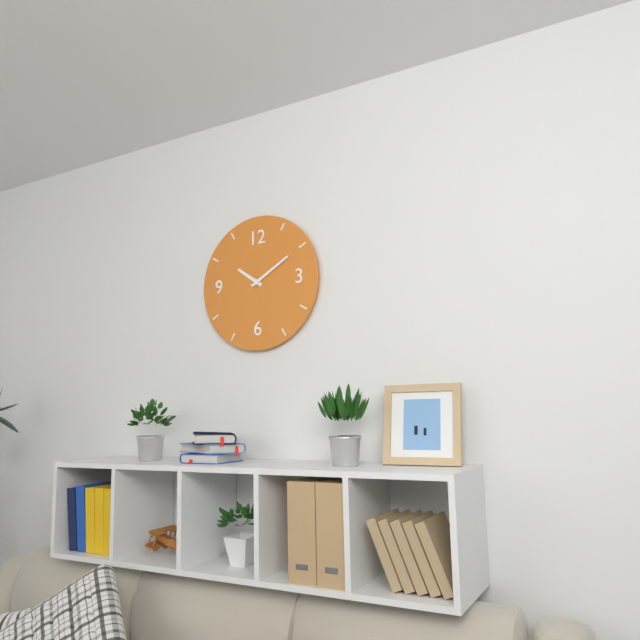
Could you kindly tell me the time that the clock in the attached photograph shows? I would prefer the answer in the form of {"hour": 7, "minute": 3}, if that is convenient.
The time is {"hour": 10, "minute": 10}
